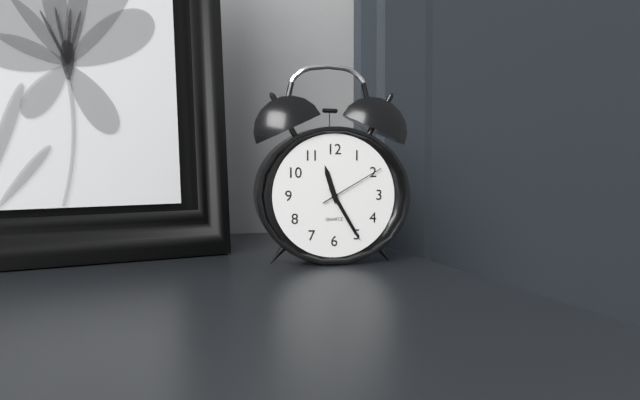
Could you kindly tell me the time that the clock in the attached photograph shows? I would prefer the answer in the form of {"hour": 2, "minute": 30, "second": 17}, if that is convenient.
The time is {"hour": 11, "minute": 25, "second": 10}
